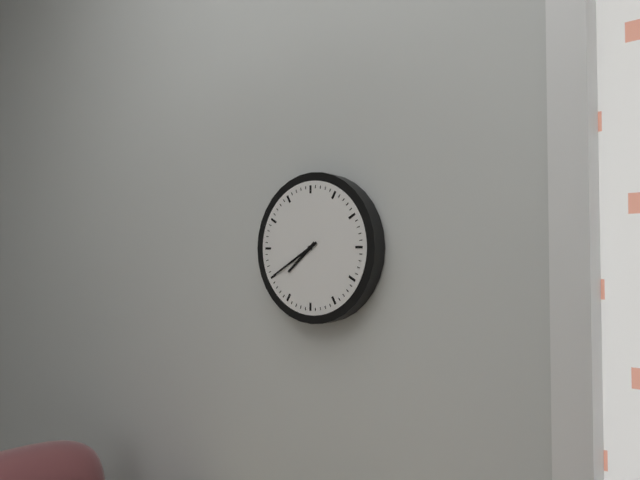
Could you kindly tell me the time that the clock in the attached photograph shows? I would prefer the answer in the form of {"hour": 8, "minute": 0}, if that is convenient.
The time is {"hour": 7, "minute": 40}
